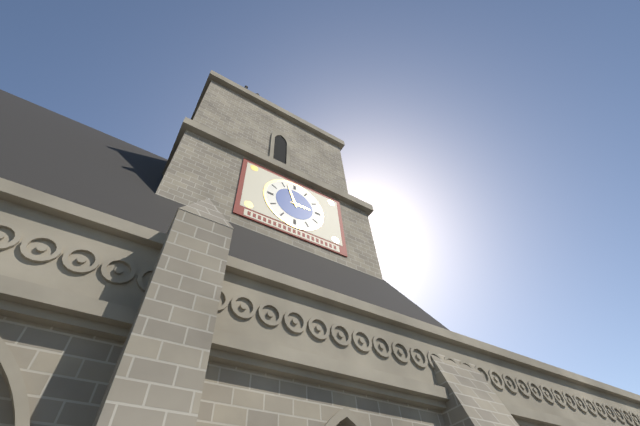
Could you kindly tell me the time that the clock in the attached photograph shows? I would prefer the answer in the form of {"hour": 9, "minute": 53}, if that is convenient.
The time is {"hour": 2, "minute": 57}
